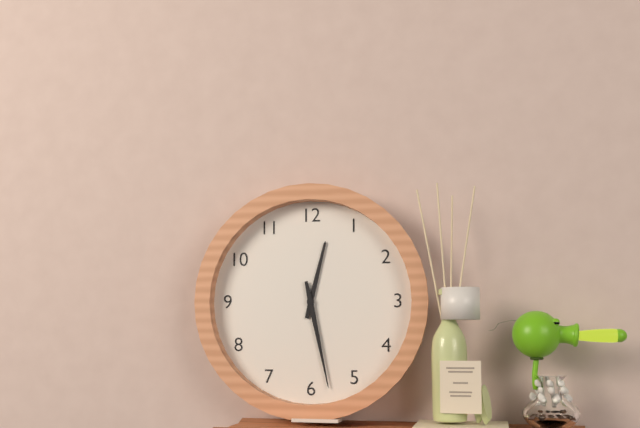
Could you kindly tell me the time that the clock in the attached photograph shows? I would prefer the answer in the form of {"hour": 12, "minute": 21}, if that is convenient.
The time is {"hour": 12, "minute": 28}
